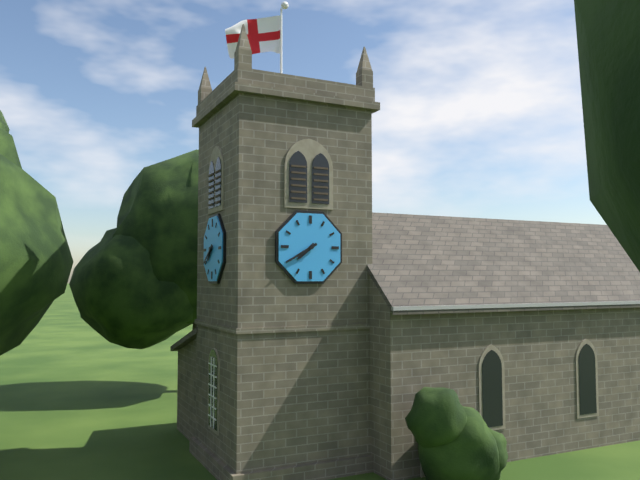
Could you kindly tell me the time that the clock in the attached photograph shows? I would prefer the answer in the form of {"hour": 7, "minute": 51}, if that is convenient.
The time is {"hour": 7, "minute": 40}
